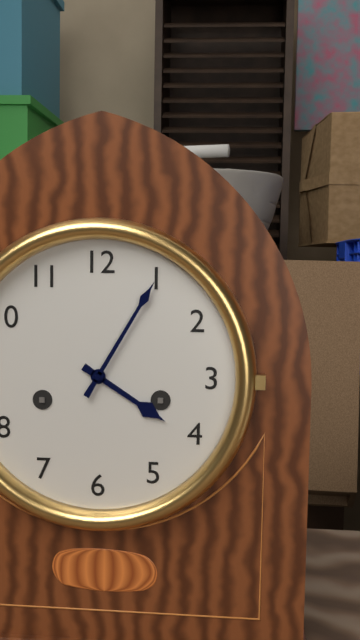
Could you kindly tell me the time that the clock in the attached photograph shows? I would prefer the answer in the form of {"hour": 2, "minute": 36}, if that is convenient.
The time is {"hour": 4, "minute": 5}
